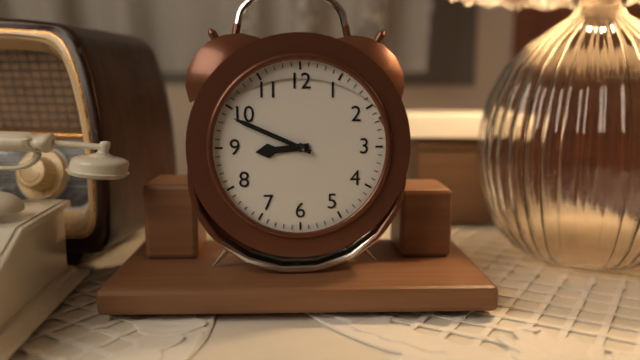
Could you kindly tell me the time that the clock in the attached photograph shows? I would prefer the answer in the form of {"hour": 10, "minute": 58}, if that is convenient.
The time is {"hour": 8, "minute": 49}
